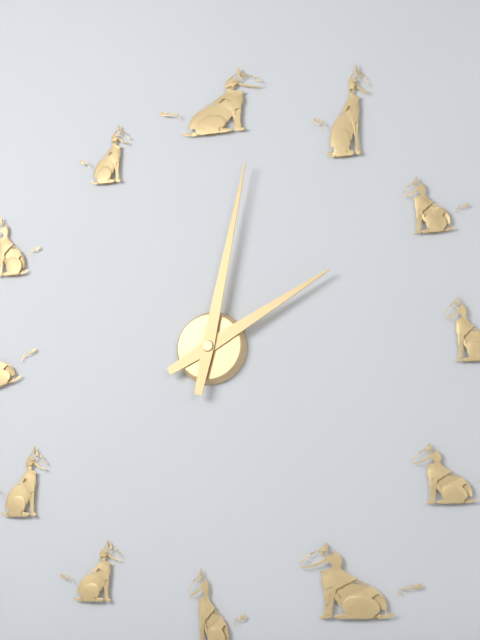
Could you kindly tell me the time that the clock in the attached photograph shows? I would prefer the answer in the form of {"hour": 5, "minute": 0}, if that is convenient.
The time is {"hour": 2, "minute": 2}
